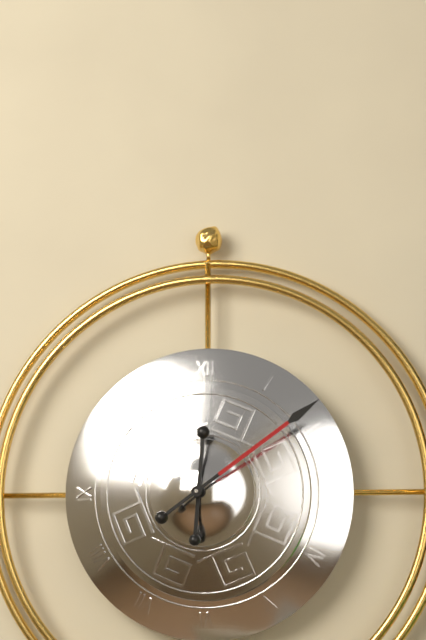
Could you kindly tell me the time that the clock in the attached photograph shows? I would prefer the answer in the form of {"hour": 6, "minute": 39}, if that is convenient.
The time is {"hour": 12, "minute": 9}
